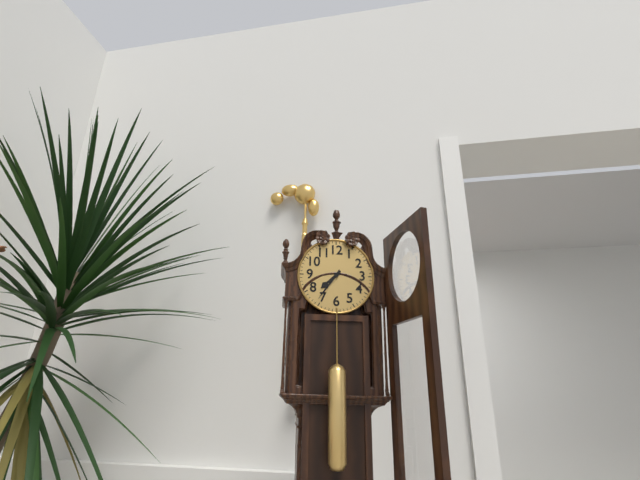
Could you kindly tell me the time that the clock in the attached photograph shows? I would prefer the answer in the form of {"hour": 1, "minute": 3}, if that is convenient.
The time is {"hour": 7, "minute": 36}
